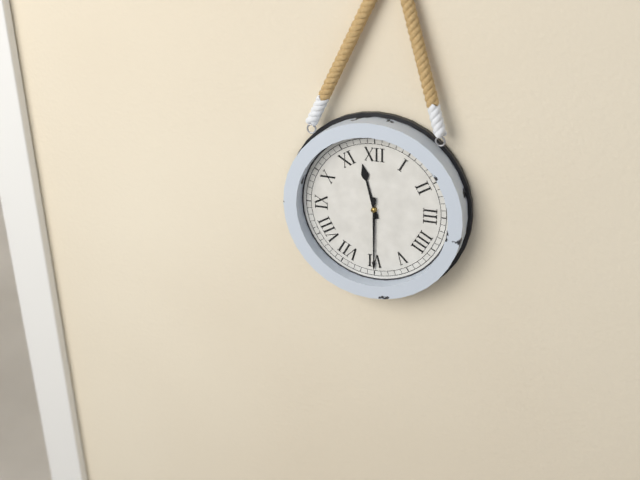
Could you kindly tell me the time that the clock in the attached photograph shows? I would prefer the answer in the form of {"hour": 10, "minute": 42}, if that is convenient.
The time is {"hour": 11, "minute": 30}
